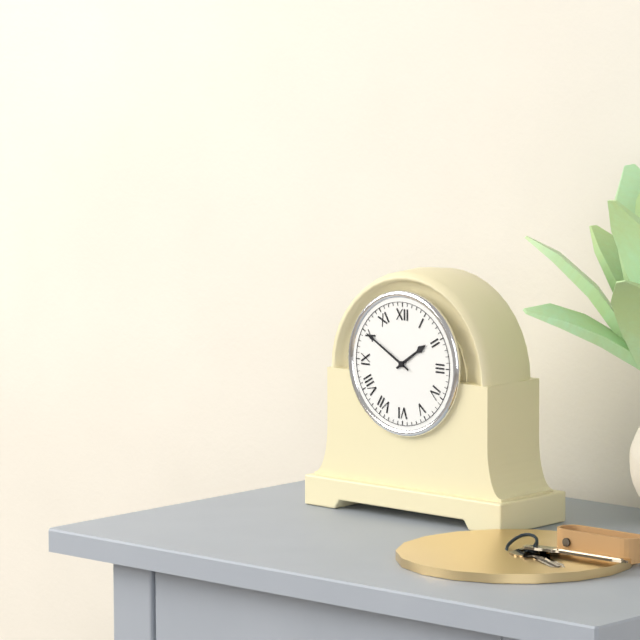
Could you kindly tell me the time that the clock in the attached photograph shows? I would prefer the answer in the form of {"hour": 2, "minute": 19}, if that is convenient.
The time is {"hour": 1, "minute": 50}
